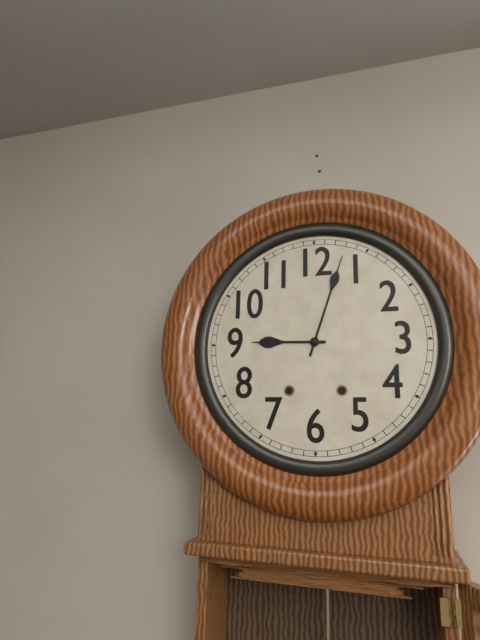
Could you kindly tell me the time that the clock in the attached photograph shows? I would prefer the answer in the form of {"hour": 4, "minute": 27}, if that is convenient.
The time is {"hour": 9, "minute": 3}
